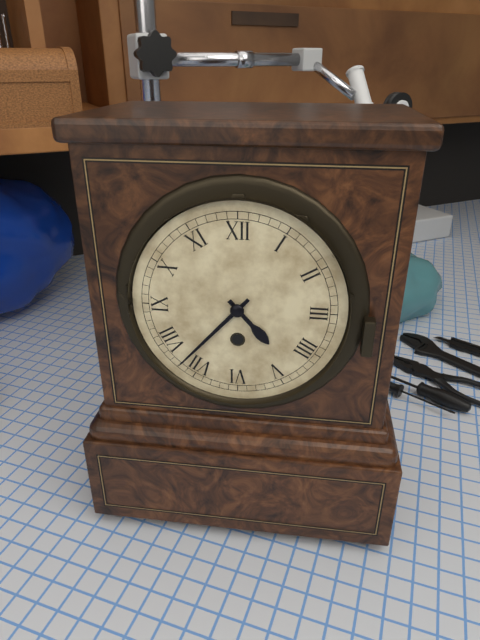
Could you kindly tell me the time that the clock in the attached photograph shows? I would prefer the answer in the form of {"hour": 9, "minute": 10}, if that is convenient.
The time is {"hour": 4, "minute": 37}
